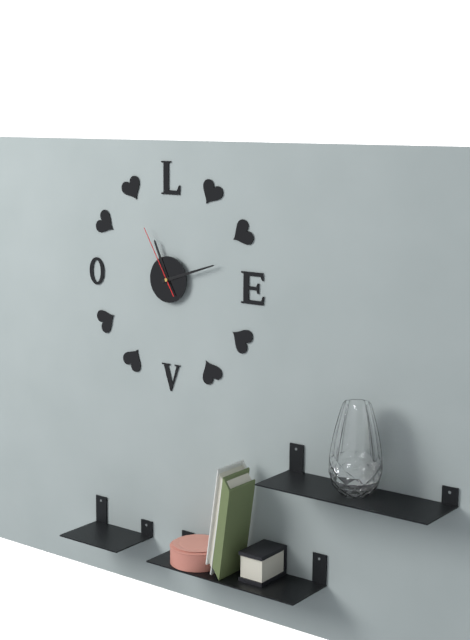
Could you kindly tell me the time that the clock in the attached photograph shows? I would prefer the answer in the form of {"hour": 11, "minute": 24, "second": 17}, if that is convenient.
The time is {"hour": 11, "minute": 12, "second": 55}
